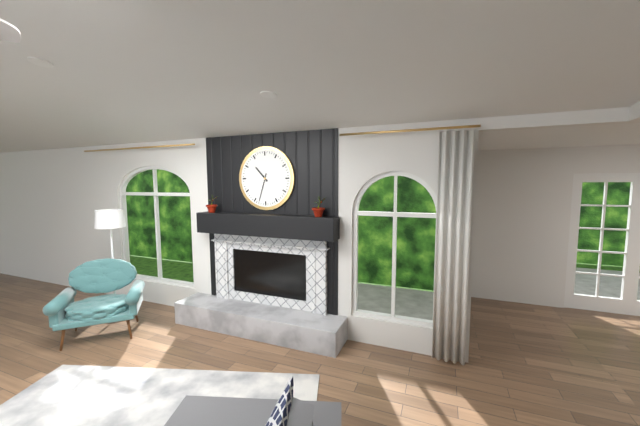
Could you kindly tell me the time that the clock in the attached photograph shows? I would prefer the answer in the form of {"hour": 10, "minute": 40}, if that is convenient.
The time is {"hour": 10, "minute": 33}
